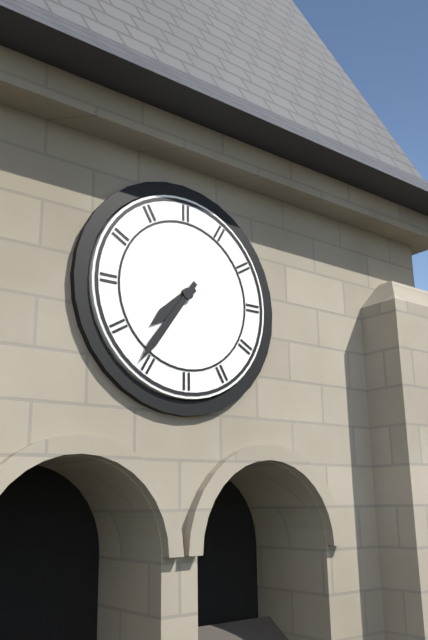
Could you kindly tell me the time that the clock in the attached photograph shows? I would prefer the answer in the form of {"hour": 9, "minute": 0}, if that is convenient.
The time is {"hour": 7, "minute": 36}
